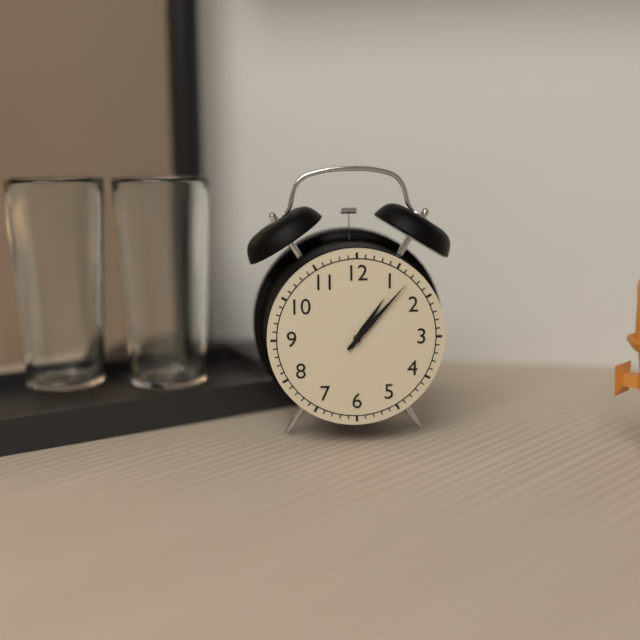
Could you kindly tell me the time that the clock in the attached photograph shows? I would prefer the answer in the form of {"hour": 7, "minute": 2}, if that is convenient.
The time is {"hour": 1, "minute": 7}
